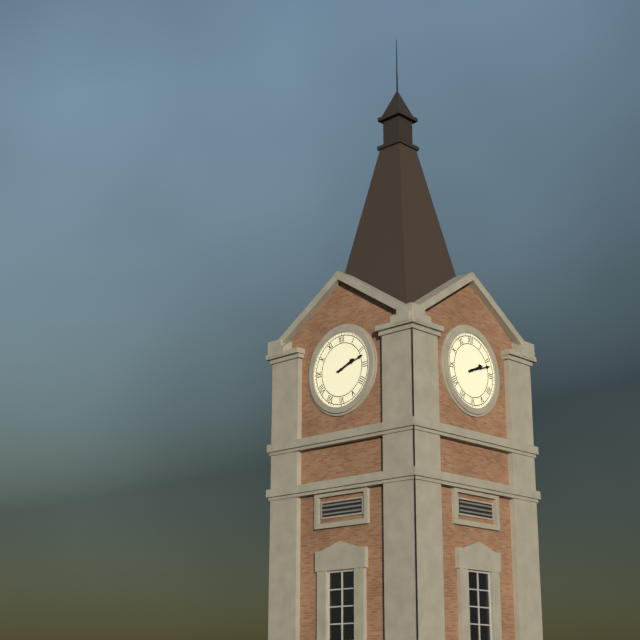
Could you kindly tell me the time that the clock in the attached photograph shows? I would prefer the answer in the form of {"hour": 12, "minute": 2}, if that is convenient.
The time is {"hour": 2, "minute": 12}
